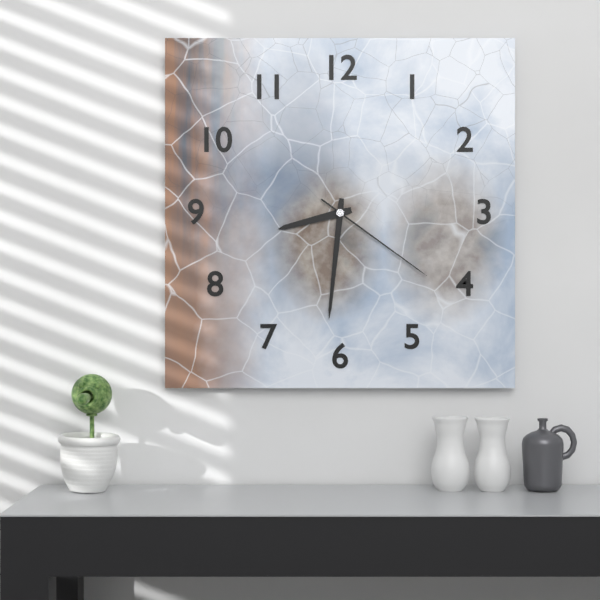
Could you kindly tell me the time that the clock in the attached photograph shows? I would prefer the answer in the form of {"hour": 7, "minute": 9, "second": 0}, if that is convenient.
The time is {"hour": 8, "minute": 31, "second": 21}
